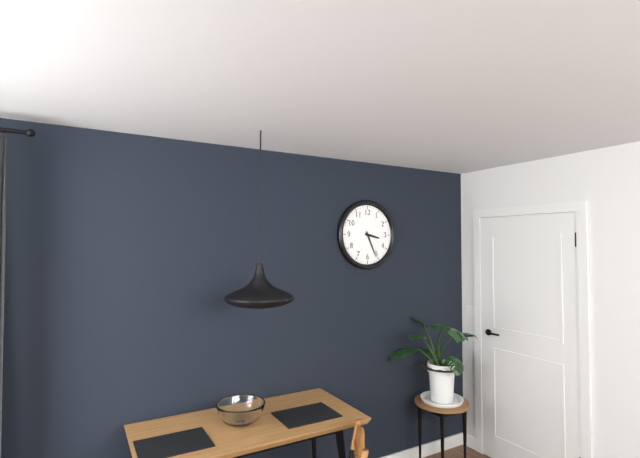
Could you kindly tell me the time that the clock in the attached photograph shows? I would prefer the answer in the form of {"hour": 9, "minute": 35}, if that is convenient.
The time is {"hour": 3, "minute": 26}
